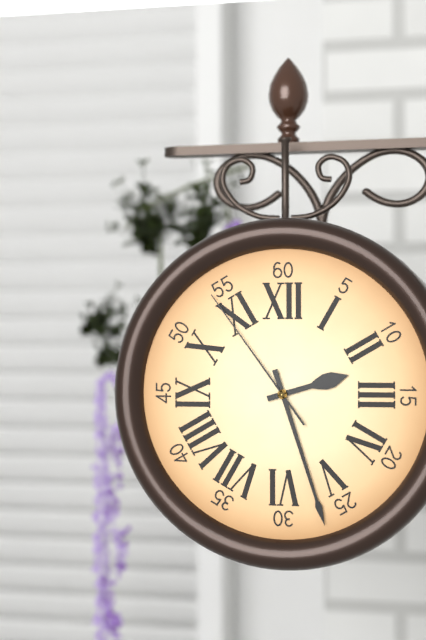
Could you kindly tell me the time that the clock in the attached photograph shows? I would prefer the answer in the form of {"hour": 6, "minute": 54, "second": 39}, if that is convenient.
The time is {"hour": 2, "minute": 27, "second": 54}
